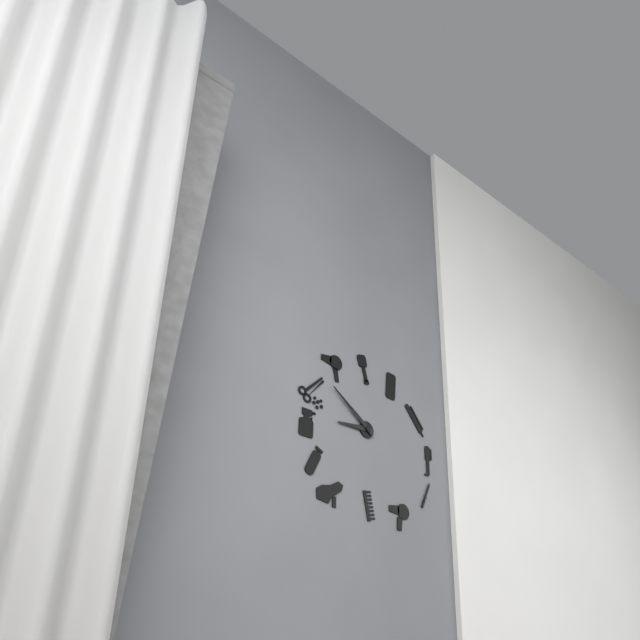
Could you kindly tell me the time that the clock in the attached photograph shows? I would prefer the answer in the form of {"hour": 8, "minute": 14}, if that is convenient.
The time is {"hour": 8, "minute": 51}
